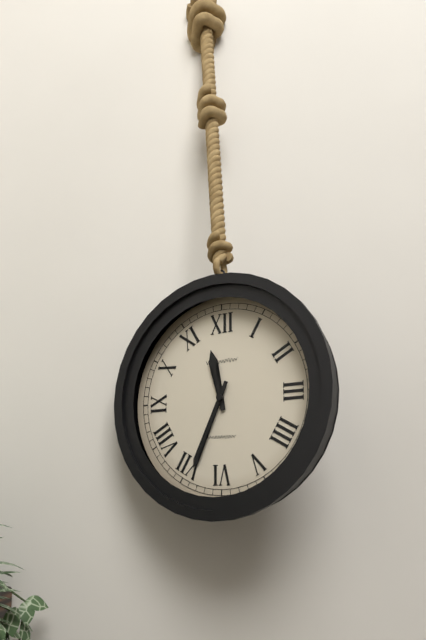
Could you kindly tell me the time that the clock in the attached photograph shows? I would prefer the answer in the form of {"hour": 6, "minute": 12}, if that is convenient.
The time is {"hour": 11, "minute": 34}
